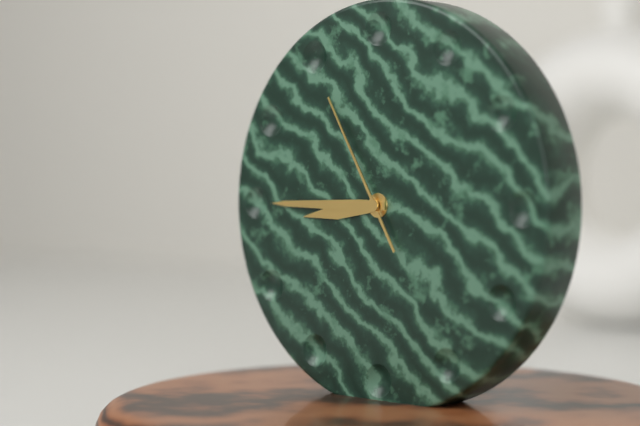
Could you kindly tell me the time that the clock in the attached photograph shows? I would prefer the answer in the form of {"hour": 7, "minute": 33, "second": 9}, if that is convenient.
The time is {"hour": 8, "minute": 45, "second": 55}
